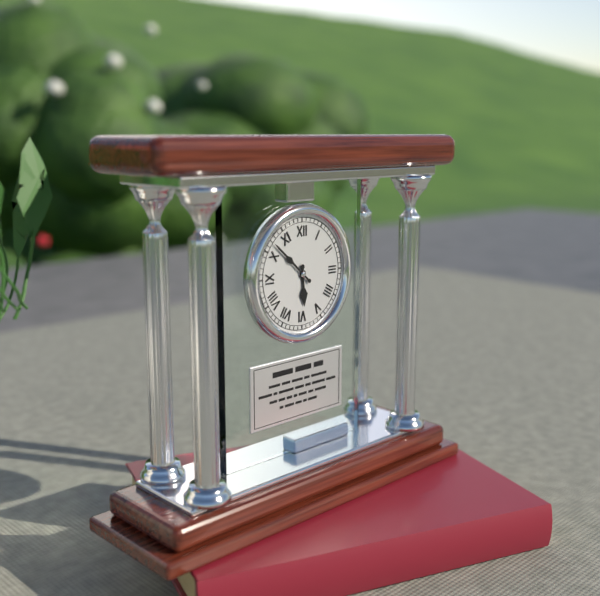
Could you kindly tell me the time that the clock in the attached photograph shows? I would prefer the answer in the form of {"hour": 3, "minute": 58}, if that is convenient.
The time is {"hour": 5, "minute": 52}
